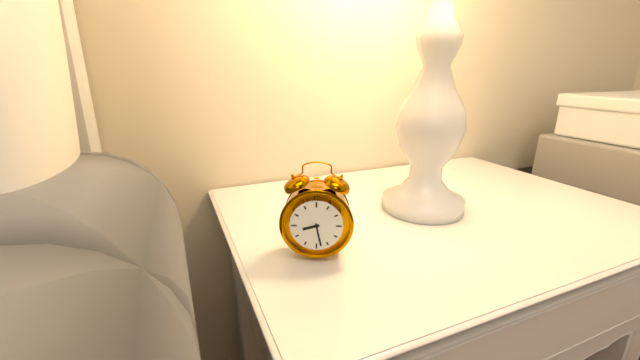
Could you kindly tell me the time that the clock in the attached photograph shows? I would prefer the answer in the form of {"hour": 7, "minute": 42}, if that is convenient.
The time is {"hour": 8, "minute": 28}
